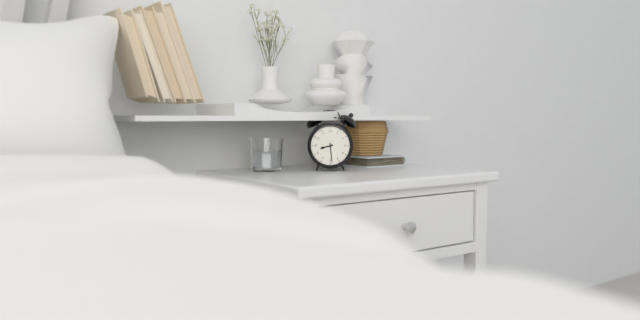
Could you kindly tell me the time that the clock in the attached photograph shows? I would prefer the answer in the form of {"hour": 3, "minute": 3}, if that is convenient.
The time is {"hour": 8, "minute": 29}
